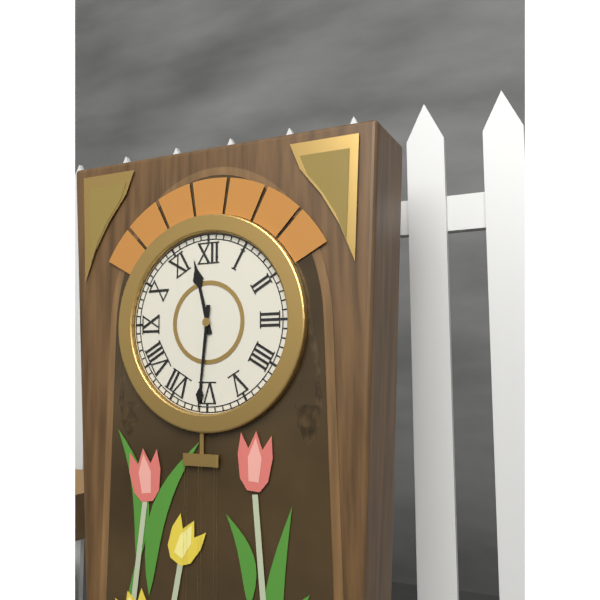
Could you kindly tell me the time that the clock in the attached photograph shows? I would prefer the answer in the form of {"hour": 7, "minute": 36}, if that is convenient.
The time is {"hour": 11, "minute": 31}
